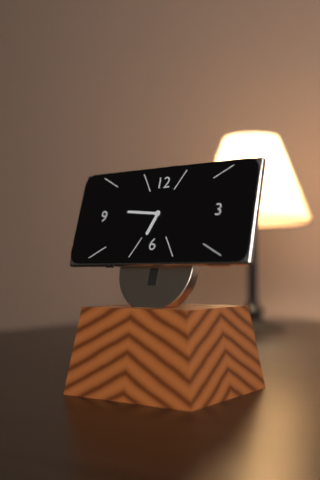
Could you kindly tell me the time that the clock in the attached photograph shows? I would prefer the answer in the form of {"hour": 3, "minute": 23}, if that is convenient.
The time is {"hour": 6, "minute": 46}
